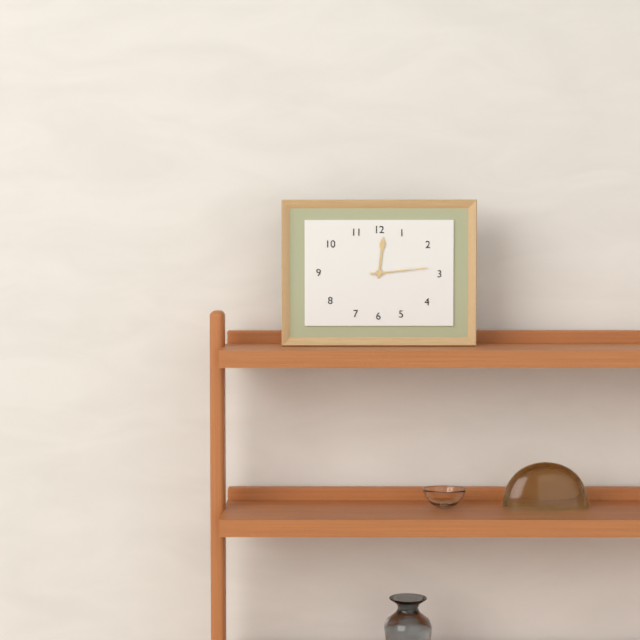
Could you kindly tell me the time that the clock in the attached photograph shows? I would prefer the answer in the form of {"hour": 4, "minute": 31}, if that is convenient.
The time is {"hour": 12, "minute": 14}
